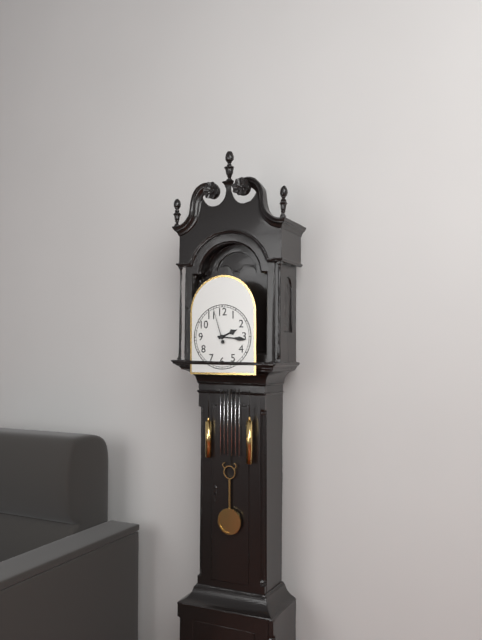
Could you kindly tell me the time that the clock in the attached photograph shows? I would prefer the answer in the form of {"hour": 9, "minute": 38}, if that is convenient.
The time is {"hour": 2, "minute": 16}
